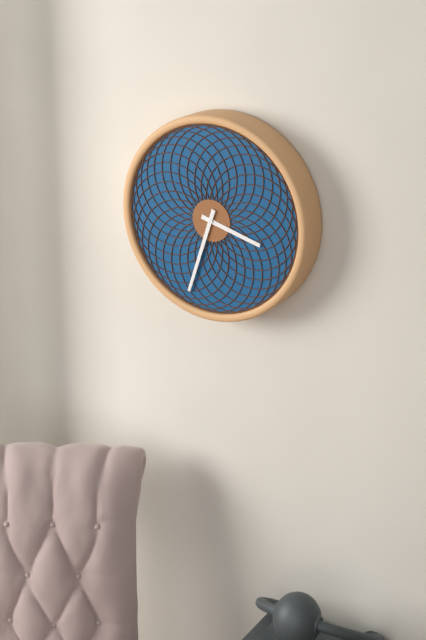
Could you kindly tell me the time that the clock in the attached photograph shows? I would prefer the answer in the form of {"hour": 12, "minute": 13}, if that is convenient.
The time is {"hour": 3, "minute": 33}
